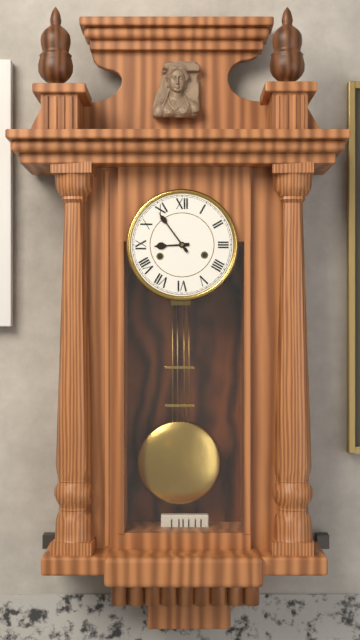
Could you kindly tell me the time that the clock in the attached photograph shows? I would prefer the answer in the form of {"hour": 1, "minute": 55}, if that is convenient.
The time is {"hour": 8, "minute": 54}
